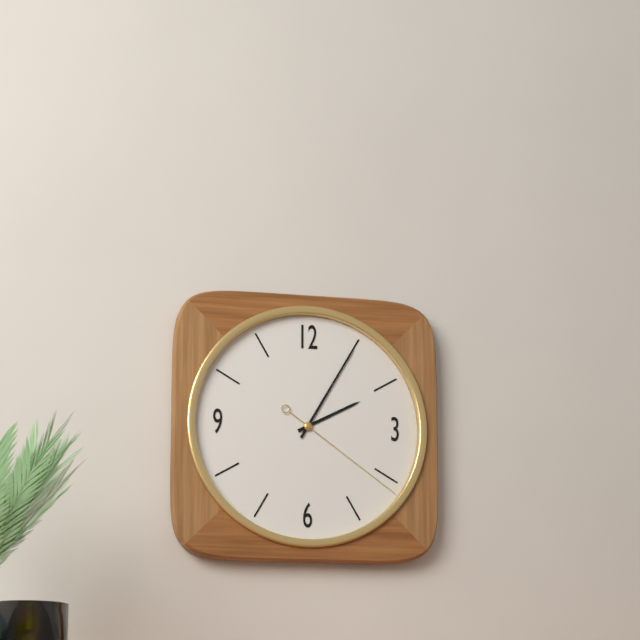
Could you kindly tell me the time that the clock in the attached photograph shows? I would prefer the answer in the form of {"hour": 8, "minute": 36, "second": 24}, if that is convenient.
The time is {"hour": 2, "minute": 5, "second": 21}
